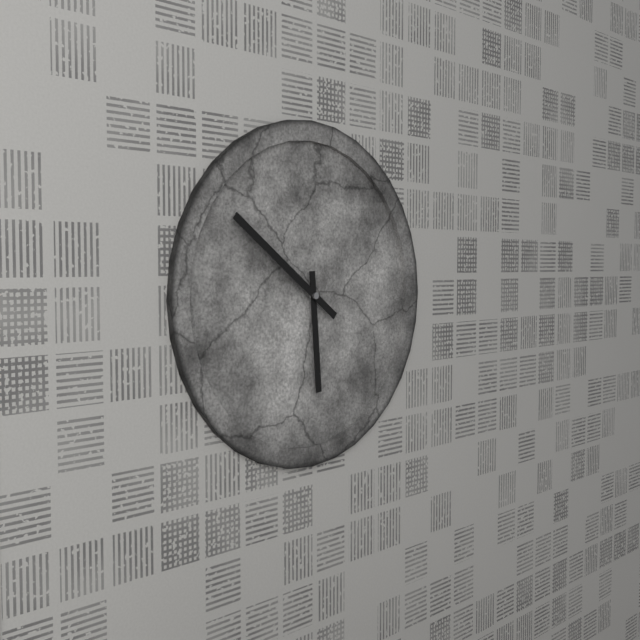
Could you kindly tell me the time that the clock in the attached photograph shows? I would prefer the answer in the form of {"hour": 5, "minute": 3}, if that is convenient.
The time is {"hour": 5, "minute": 51}
